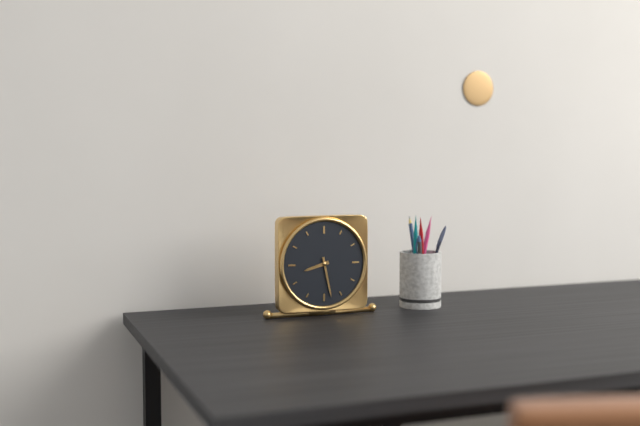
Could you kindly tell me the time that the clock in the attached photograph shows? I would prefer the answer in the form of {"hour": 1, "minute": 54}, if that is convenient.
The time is {"hour": 8, "minute": 28}
